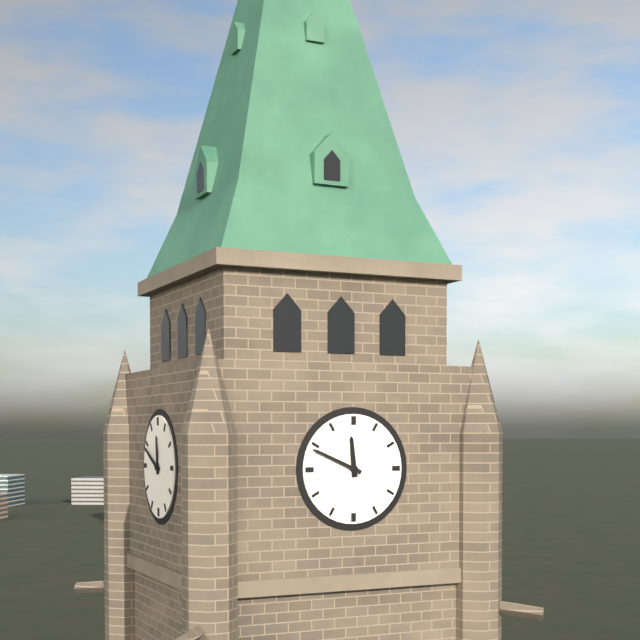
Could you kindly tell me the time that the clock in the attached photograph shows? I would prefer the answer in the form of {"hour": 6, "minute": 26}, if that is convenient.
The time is {"hour": 11, "minute": 49}
